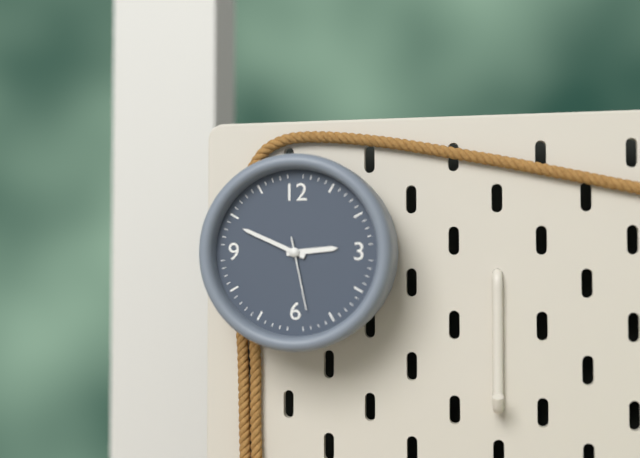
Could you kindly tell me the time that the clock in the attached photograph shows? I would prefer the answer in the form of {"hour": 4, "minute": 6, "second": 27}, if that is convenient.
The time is {"hour": 2, "minute": 49, "second": 28}
